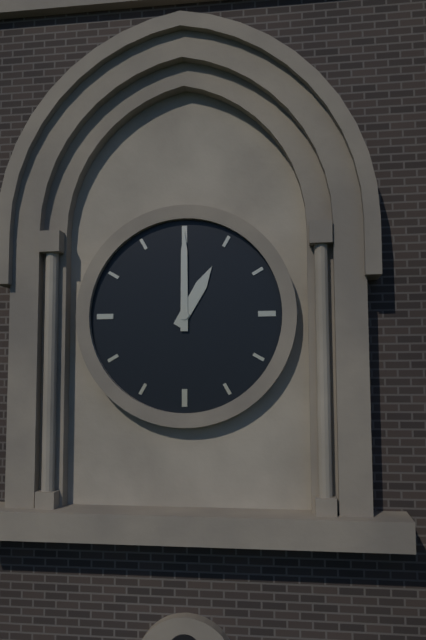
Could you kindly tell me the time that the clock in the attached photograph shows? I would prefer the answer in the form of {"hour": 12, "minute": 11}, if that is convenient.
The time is {"hour": 1, "minute": 0}
